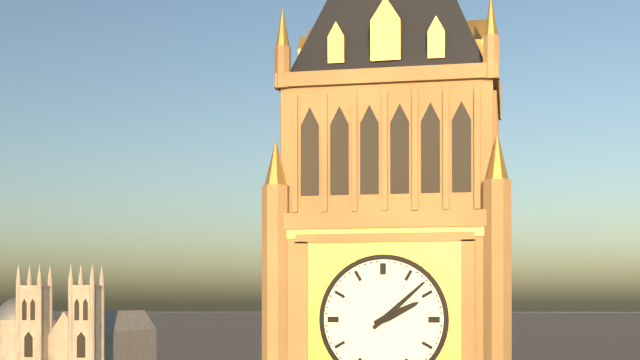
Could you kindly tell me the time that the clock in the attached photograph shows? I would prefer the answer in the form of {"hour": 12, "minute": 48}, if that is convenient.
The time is {"hour": 2, "minute": 8}
